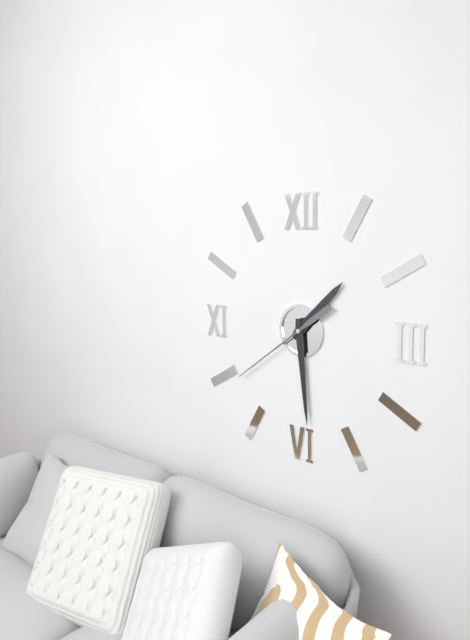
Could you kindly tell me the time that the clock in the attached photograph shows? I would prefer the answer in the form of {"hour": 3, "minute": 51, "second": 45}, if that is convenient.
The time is {"hour": 1, "minute": 29, "second": 39}
